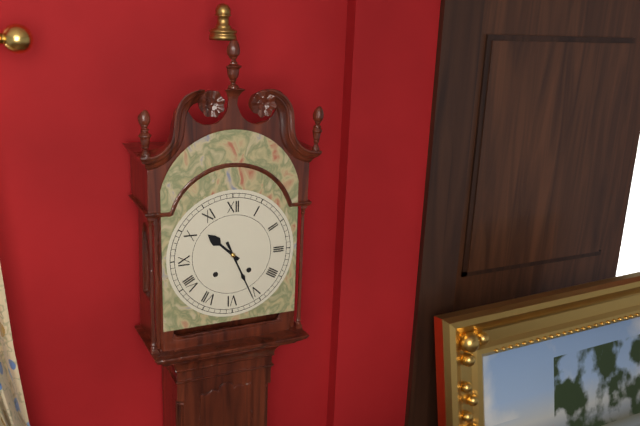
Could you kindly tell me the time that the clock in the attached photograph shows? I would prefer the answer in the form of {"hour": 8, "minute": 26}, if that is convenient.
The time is {"hour": 10, "minute": 26}
